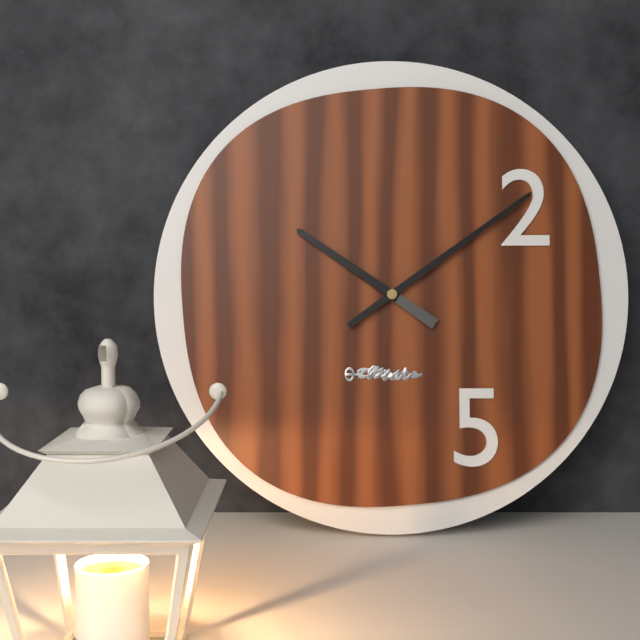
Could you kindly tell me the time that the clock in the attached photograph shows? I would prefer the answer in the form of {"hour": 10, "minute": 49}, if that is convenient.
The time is {"hour": 10, "minute": 9}
